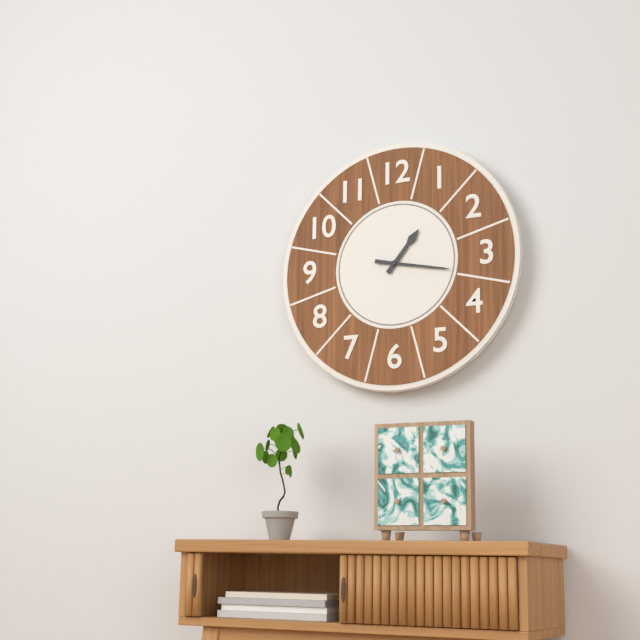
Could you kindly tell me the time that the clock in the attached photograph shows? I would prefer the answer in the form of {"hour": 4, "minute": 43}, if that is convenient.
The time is {"hour": 1, "minute": 17}
